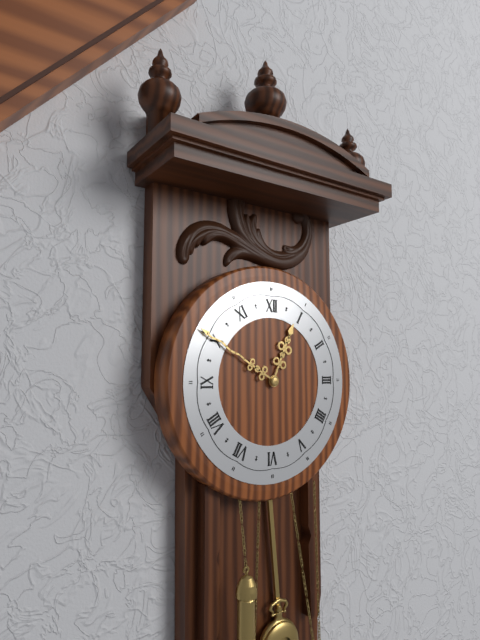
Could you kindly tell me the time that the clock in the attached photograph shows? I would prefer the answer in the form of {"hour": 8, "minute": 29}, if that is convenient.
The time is {"hour": 12, "minute": 50}
